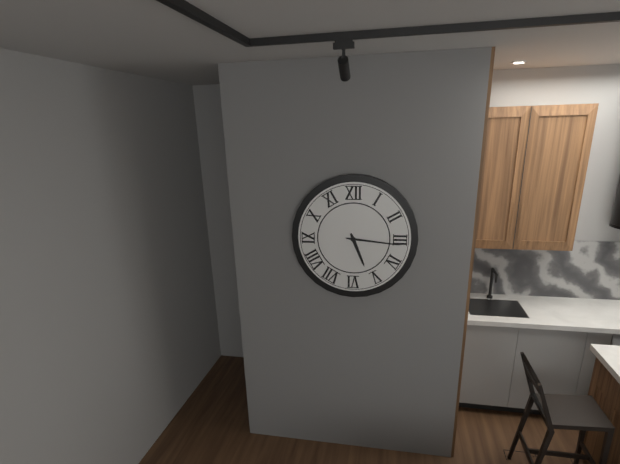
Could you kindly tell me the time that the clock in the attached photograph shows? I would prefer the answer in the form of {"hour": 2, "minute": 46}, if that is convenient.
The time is {"hour": 5, "minute": 16}
